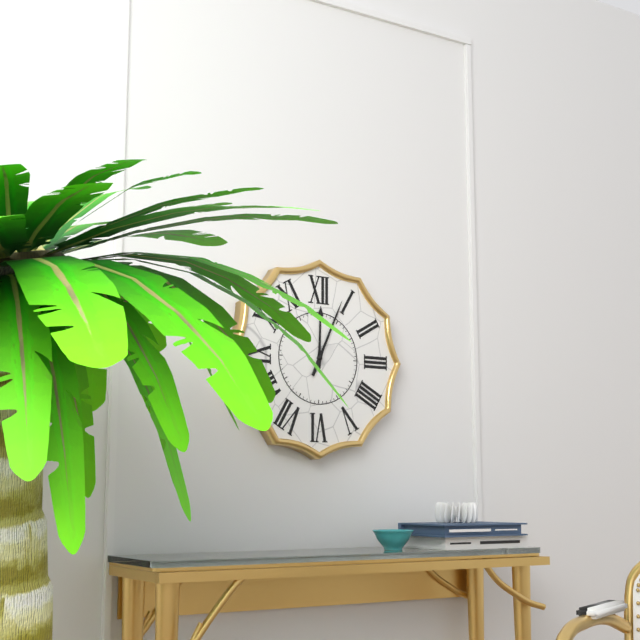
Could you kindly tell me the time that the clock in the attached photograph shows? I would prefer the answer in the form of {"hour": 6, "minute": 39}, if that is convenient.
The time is {"hour": 12, "minute": 4}
